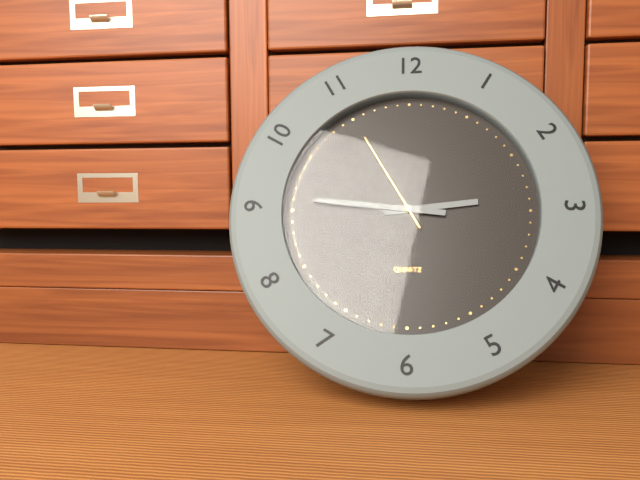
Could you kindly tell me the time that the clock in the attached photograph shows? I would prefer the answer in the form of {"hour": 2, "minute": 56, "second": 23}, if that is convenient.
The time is {"hour": 2, "minute": 46, "second": 55}
